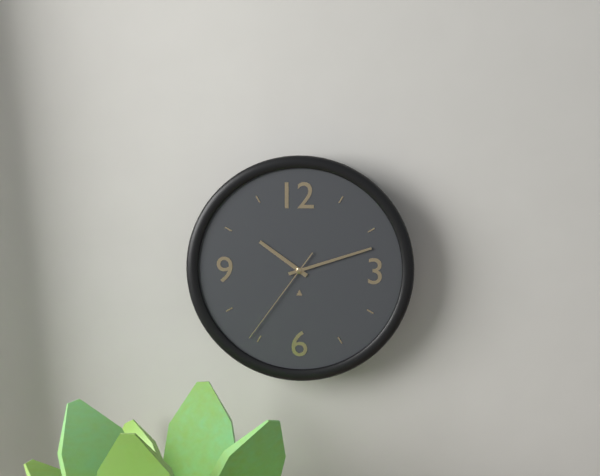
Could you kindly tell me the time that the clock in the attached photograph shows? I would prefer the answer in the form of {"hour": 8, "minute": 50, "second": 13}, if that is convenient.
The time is {"hour": 10, "minute": 12, "second": 36}
